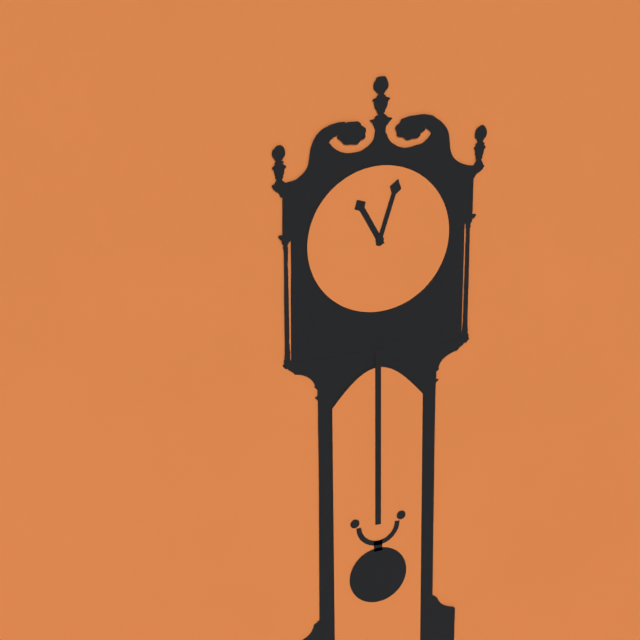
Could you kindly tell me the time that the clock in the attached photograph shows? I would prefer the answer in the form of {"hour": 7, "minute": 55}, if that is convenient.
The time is {"hour": 11, "minute": 3}
